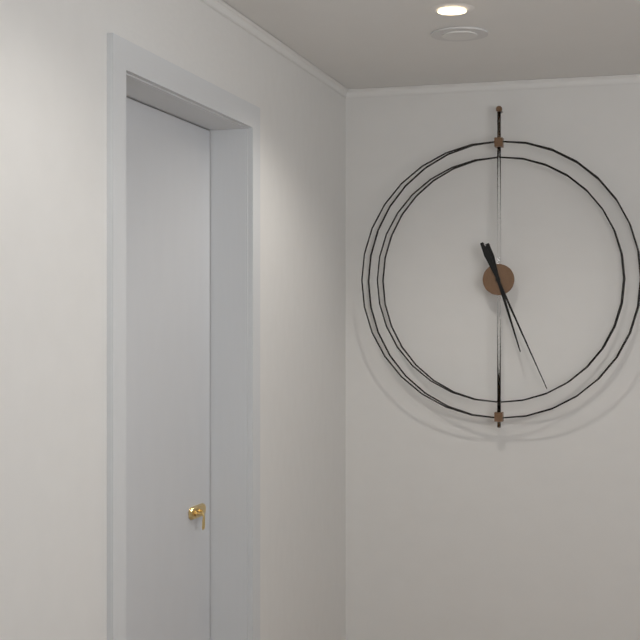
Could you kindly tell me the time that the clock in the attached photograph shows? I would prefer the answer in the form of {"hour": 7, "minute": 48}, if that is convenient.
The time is {"hour": 5, "minute": 26}
